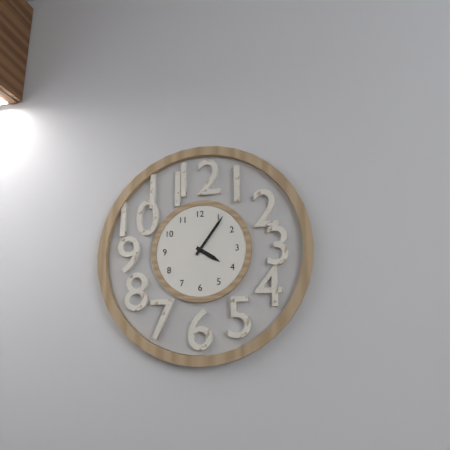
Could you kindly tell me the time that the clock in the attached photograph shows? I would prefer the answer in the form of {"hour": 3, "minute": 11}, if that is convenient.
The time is {"hour": 4, "minute": 6}
